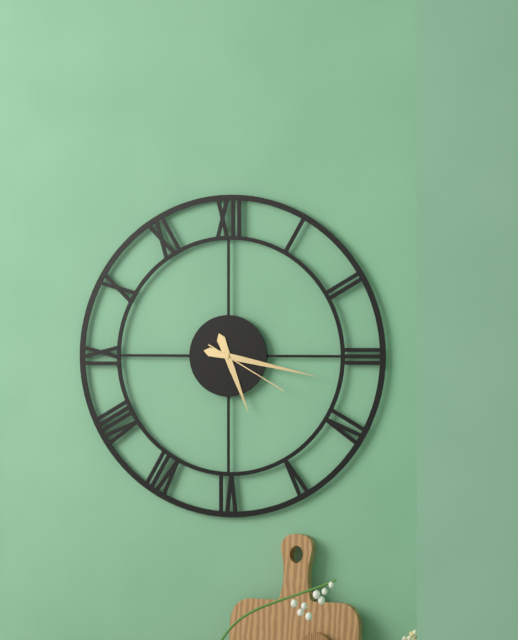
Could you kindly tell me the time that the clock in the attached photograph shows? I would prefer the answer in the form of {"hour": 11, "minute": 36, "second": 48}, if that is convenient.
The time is {"hour": 5, "minute": 17, "second": 20}
